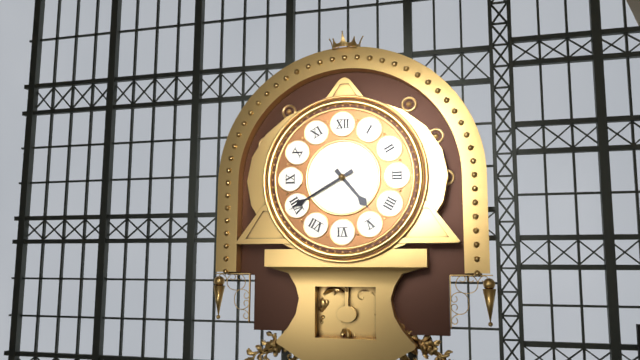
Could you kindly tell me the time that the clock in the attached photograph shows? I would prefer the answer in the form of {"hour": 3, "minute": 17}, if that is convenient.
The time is {"hour": 4, "minute": 40}
